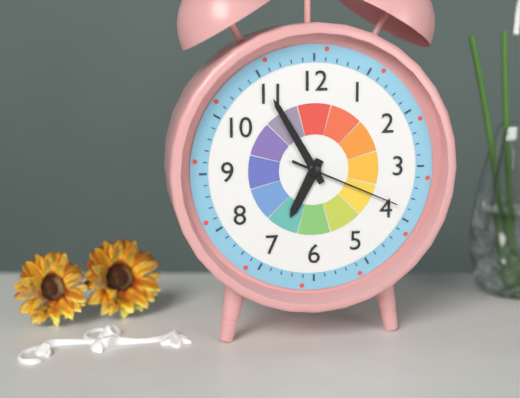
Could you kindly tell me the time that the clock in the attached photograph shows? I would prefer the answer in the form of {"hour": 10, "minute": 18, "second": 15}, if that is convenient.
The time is {"hour": 6, "minute": 55, "second": 19}
